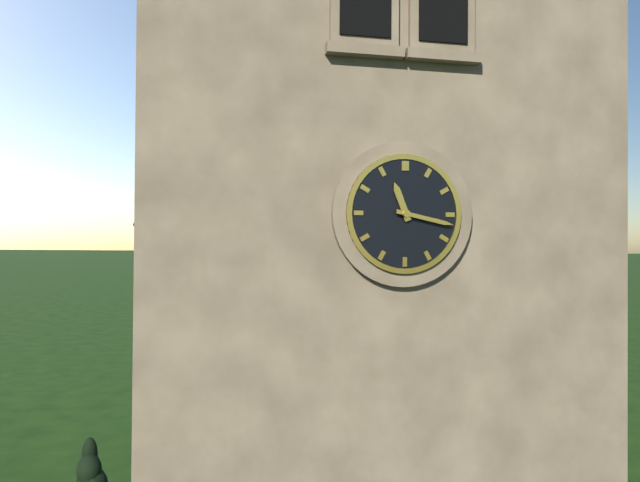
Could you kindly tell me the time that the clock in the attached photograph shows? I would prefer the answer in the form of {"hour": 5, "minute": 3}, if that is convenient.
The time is {"hour": 11, "minute": 17}
